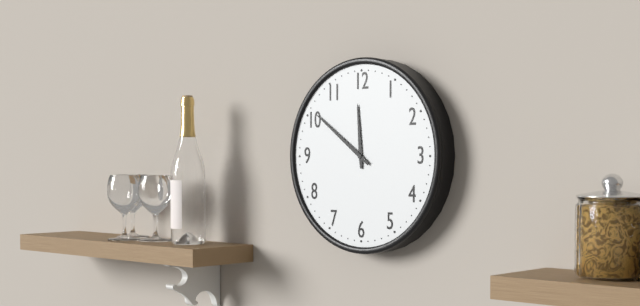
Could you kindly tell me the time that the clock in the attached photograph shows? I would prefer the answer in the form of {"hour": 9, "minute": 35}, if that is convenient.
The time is {"hour": 11, "minute": 51}
